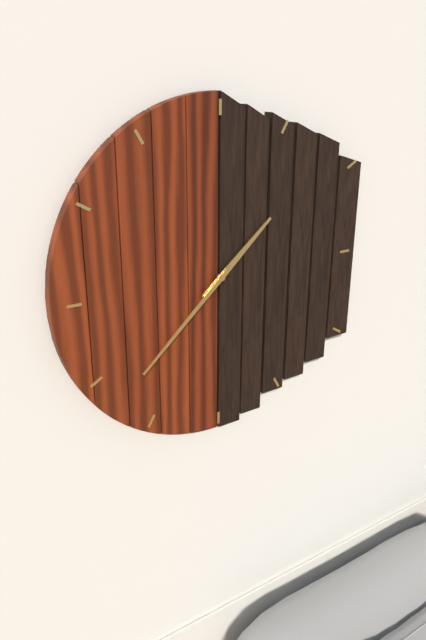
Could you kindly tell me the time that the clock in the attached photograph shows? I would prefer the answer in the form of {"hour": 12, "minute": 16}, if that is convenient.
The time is {"hour": 1, "minute": 38}
